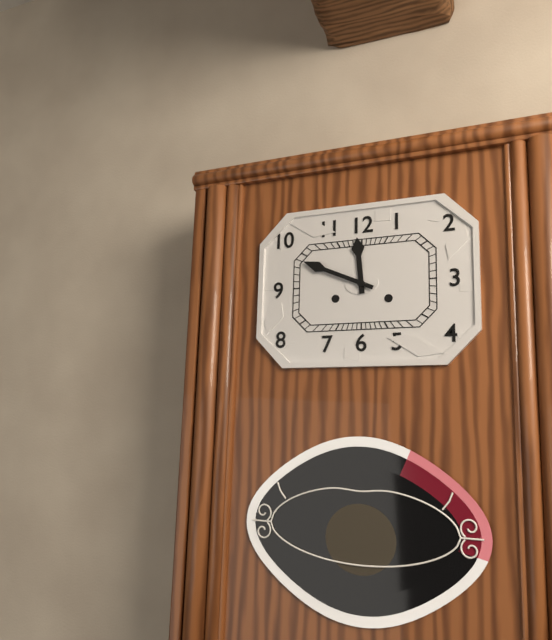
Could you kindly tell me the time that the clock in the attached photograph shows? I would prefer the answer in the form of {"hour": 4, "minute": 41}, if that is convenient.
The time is {"hour": 11, "minute": 49}
